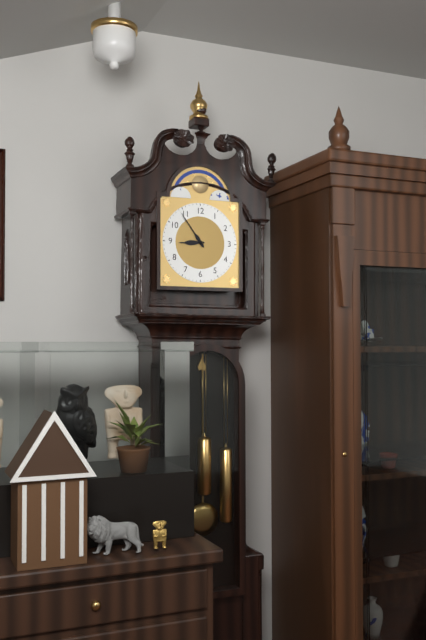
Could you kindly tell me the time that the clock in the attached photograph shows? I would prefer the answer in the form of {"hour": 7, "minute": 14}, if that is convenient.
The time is {"hour": 8, "minute": 54}
